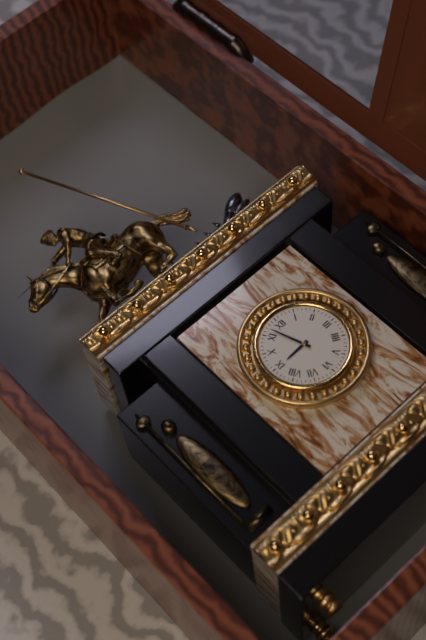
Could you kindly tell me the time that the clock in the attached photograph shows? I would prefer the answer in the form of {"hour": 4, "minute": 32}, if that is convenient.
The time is {"hour": 8, "minute": 57}
